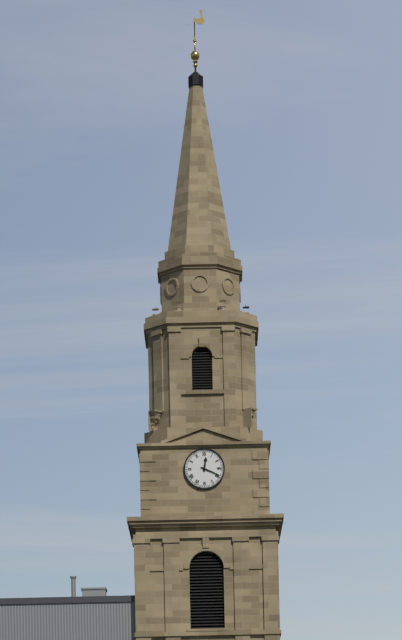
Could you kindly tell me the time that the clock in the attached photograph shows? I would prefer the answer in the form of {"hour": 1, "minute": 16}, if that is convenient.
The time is {"hour": 12, "minute": 19}
